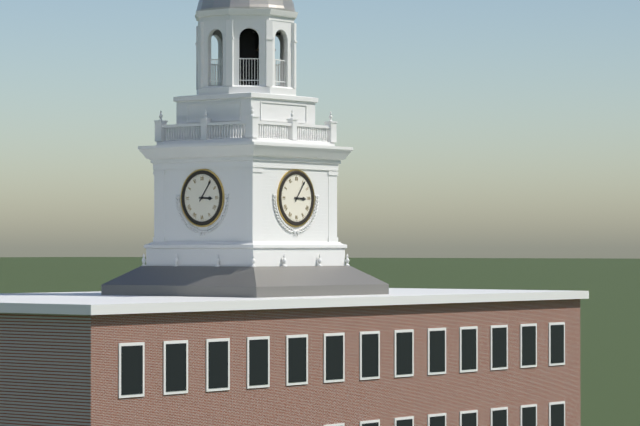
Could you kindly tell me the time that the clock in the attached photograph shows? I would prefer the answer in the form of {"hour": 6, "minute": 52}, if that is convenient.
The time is {"hour": 3, "minute": 6}
